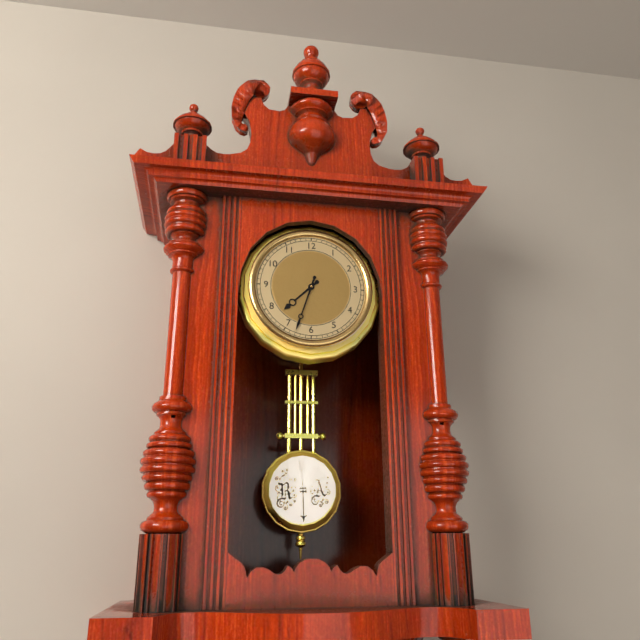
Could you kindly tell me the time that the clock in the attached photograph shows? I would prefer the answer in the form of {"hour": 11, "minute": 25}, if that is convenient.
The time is {"hour": 7, "minute": 33}
